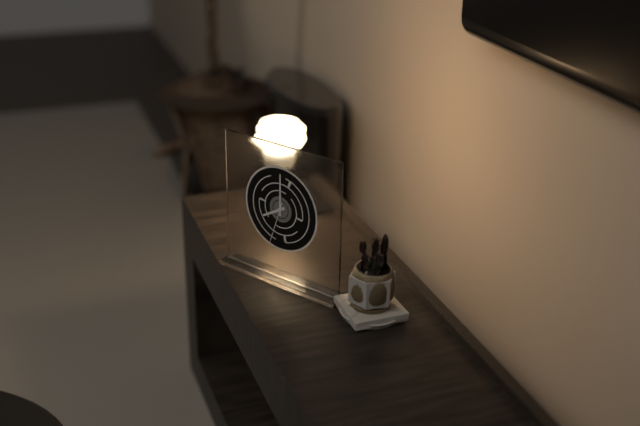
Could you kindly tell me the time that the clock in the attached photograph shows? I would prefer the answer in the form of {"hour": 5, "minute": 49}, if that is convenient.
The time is {"hour": 8, "minute": 0}
